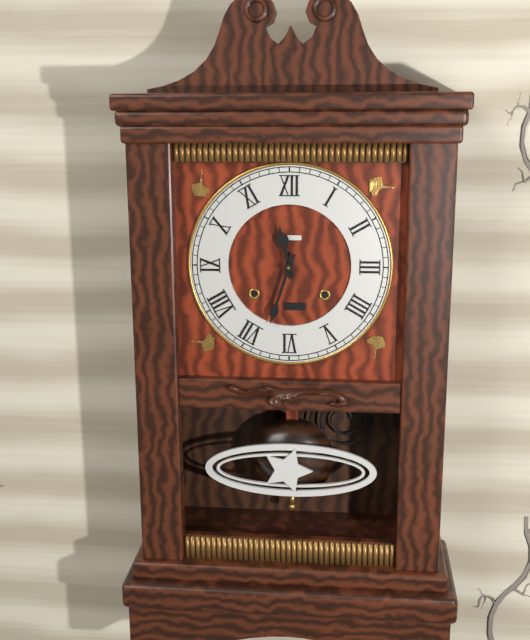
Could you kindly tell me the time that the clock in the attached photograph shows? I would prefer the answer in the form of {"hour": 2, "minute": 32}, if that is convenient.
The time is {"hour": 11, "minute": 33}
